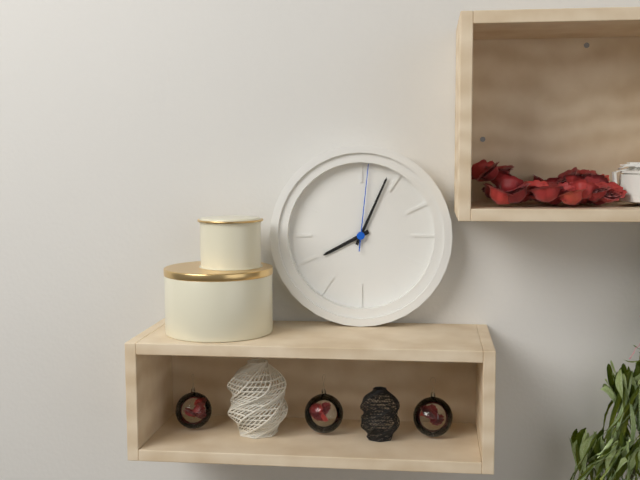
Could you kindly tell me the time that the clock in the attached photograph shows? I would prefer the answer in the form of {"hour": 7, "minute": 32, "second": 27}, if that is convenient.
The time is {"hour": 8, "minute": 4, "second": 1}
